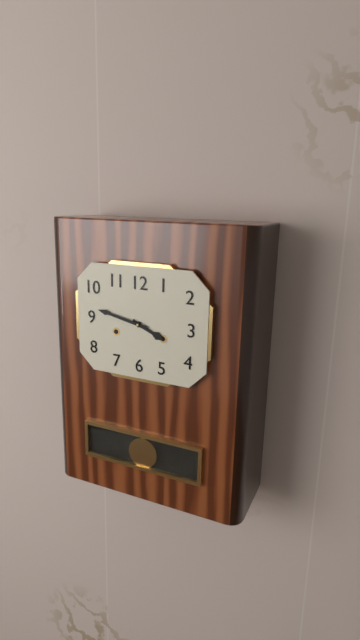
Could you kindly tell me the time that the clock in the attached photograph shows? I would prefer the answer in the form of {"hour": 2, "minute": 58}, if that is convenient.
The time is {"hour": 3, "minute": 47}
